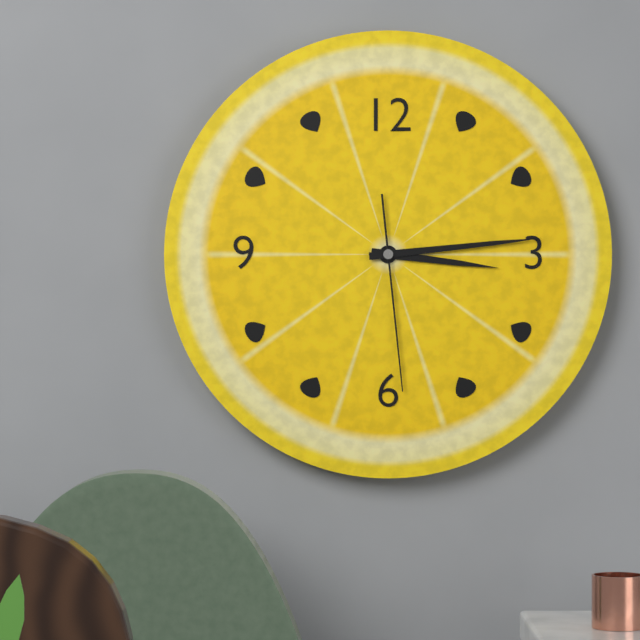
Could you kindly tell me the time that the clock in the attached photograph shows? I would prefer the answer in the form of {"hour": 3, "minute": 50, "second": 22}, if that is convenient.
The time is {"hour": 3, "minute": 14, "second": 29}
